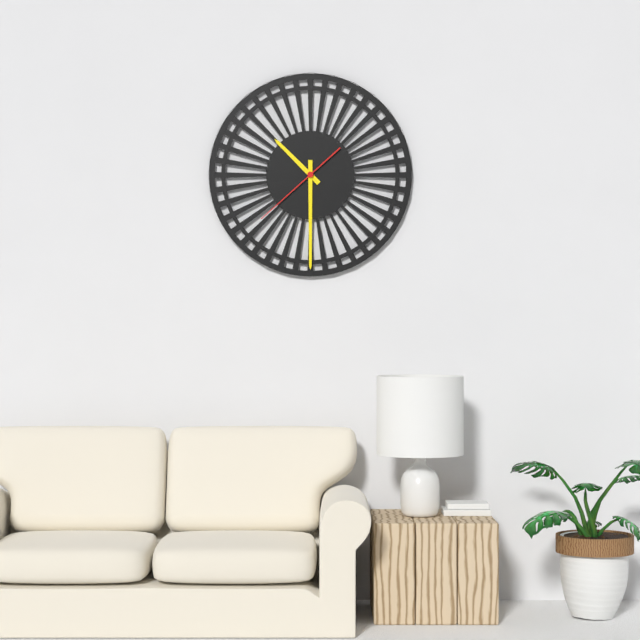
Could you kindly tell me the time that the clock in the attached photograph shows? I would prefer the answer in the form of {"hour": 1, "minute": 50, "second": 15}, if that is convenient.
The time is {"hour": 10, "minute": 30, "second": 38}
